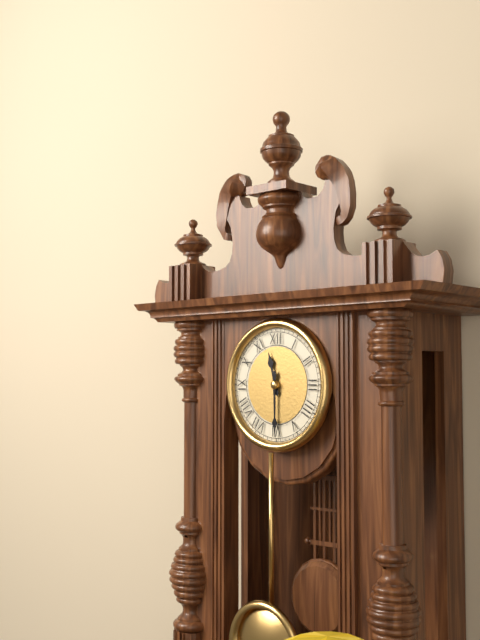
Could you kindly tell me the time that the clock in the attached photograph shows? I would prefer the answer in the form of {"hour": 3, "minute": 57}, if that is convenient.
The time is {"hour": 11, "minute": 30}
